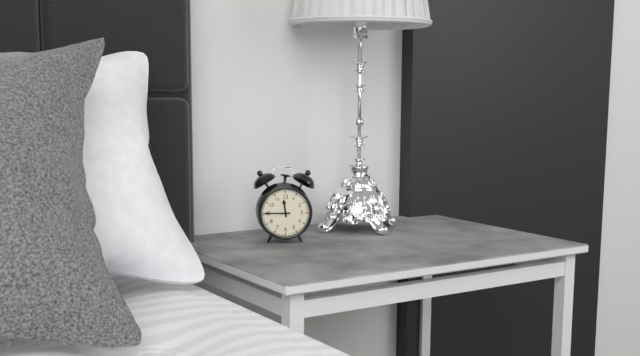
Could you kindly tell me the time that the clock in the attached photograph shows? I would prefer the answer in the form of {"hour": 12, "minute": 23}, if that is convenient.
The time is {"hour": 11, "minute": 45}
